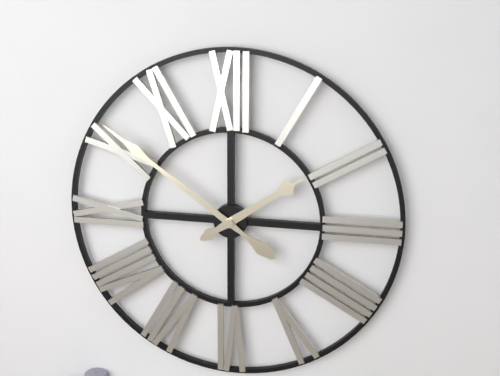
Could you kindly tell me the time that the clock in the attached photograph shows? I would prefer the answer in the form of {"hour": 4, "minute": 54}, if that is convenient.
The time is {"hour": 1, "minute": 51}
